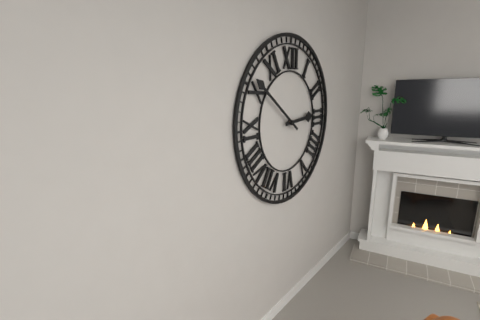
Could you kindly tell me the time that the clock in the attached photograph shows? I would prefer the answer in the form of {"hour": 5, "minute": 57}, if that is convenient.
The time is {"hour": 2, "minute": 51}
